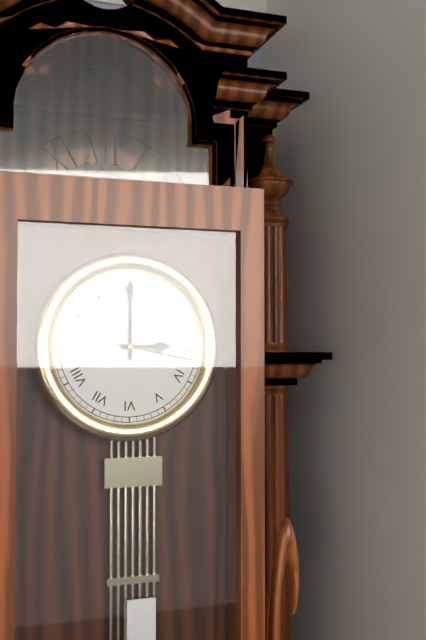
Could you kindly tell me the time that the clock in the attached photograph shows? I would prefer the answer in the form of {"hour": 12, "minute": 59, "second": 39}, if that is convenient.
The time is {"hour": 3, "minute": 0, "second": 17}
